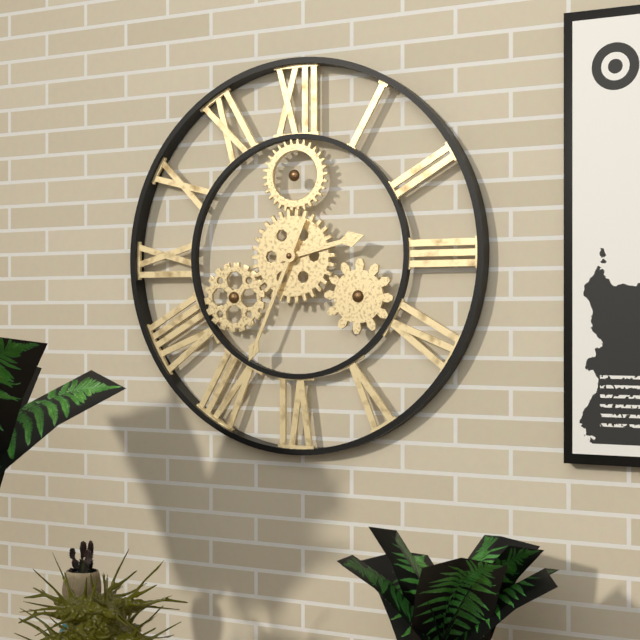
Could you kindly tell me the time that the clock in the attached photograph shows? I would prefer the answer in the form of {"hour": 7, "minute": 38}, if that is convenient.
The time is {"hour": 2, "minute": 34}
